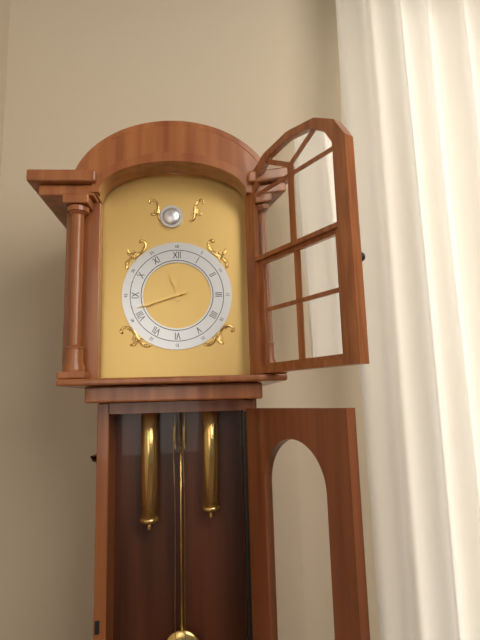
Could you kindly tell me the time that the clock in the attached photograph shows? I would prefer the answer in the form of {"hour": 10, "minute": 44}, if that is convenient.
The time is {"hour": 11, "minute": 42}
